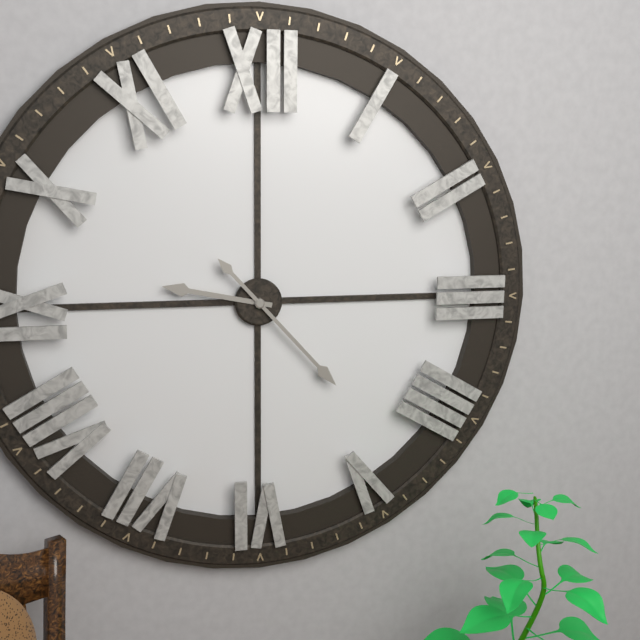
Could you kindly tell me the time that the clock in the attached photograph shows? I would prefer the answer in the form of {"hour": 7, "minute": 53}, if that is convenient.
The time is {"hour": 9, "minute": 23}
